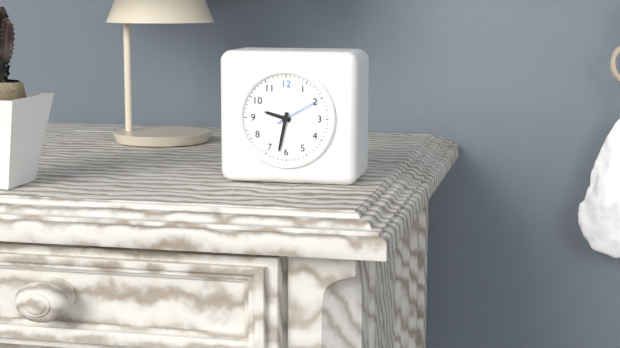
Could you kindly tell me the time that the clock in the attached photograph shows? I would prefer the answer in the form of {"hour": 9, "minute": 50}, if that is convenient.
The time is {"hour": 9, "minute": 32}
